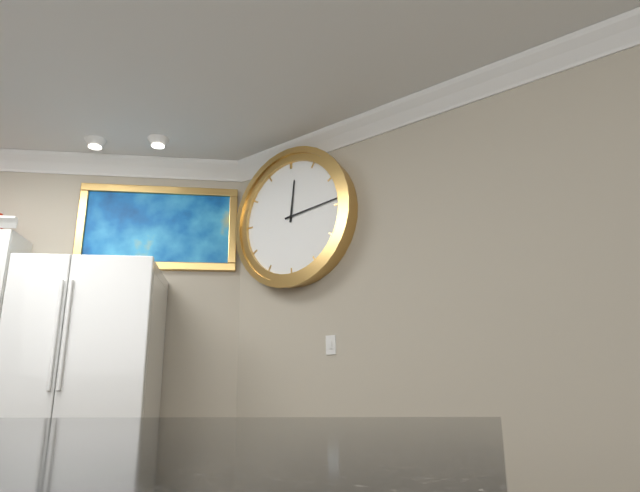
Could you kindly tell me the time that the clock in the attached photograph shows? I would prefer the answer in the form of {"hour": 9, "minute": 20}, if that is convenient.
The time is {"hour": 12, "minute": 14}
